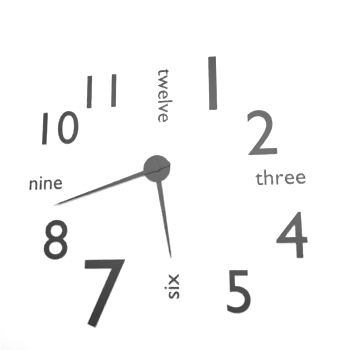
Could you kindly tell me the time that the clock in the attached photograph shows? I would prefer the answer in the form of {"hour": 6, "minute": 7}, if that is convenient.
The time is {"hour": 5, "minute": 42}
